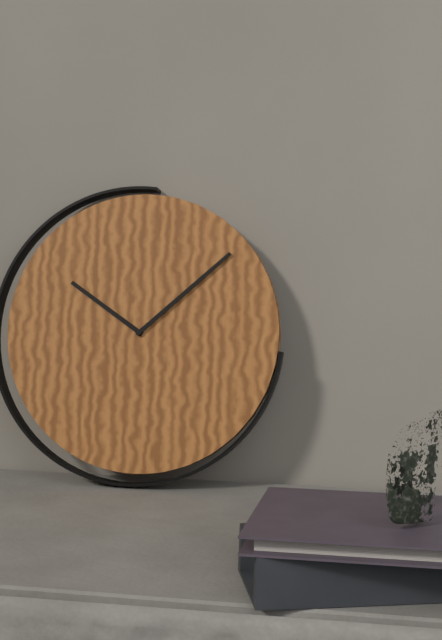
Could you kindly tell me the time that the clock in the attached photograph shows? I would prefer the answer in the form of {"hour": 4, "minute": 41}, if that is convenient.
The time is {"hour": 10, "minute": 8}
